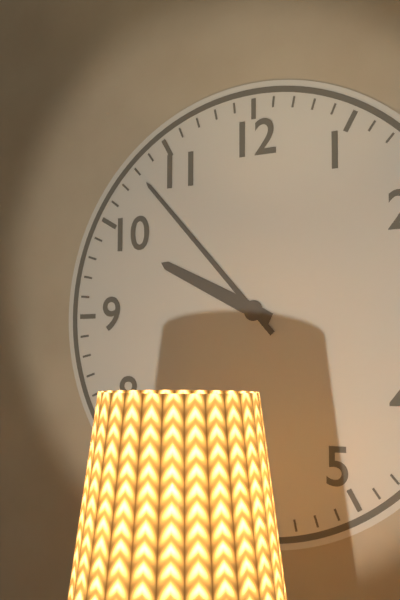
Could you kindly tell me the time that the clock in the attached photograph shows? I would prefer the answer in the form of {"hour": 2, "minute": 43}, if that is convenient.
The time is {"hour": 9, "minute": 53}
